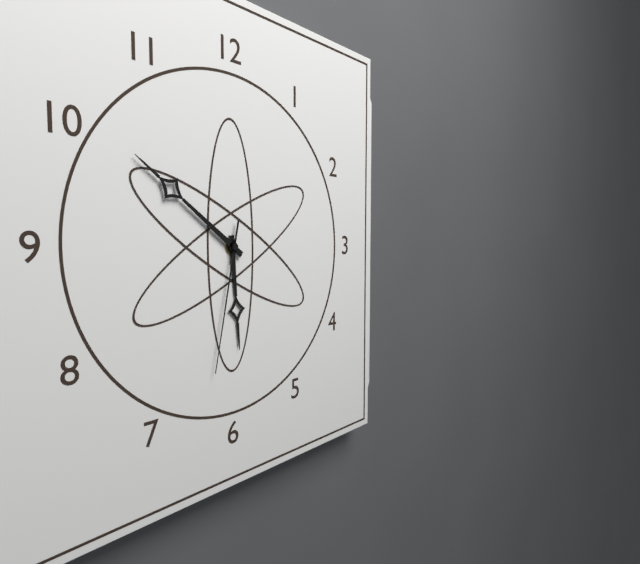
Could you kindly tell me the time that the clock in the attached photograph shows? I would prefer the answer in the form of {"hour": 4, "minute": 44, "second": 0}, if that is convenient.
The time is {"hour": 5, "minute": 51, "second": 32}
